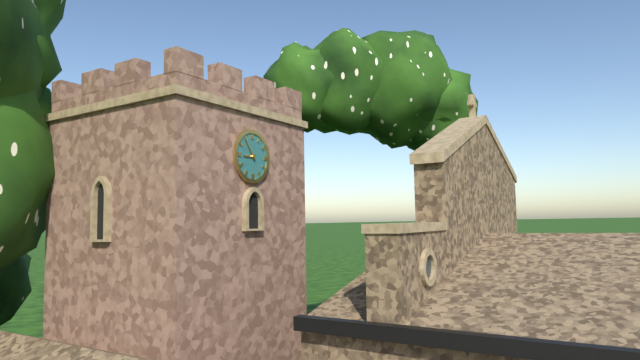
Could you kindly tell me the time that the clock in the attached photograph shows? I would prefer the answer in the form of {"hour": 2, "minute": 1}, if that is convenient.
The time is {"hour": 8, "minute": 54}
